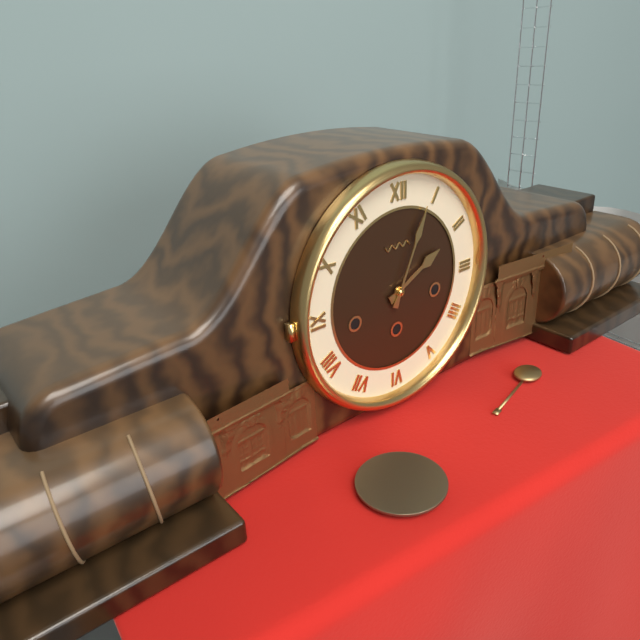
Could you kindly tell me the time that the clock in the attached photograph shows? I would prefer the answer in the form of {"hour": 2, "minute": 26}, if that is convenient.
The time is {"hour": 2, "minute": 4}
